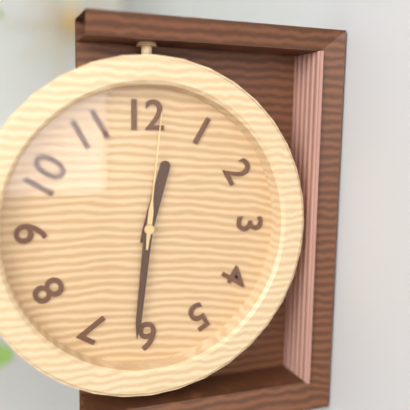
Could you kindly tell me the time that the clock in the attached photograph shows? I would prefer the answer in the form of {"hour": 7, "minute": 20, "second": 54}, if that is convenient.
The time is {"hour": 12, "minute": 31, "second": 1}
